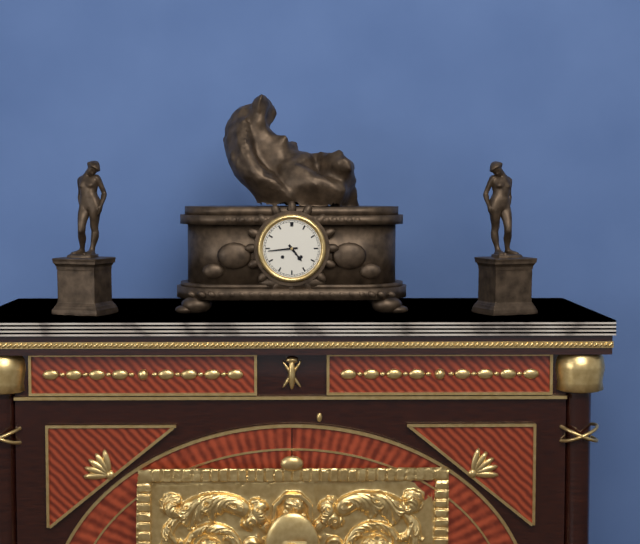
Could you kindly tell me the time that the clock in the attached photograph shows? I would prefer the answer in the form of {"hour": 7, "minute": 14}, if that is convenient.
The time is {"hour": 4, "minute": 44}
